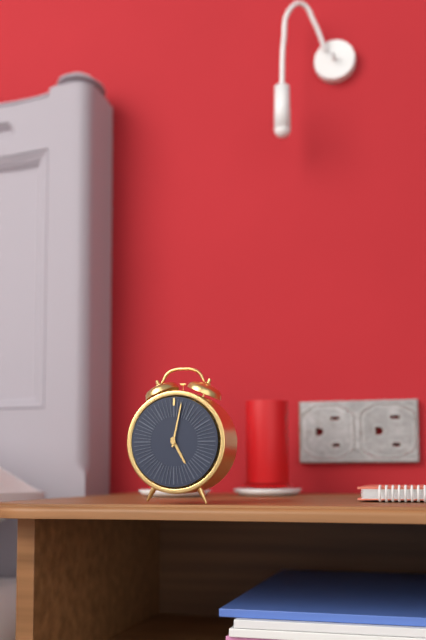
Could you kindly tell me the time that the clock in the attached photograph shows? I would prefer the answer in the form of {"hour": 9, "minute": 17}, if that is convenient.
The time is {"hour": 5, "minute": 2}
